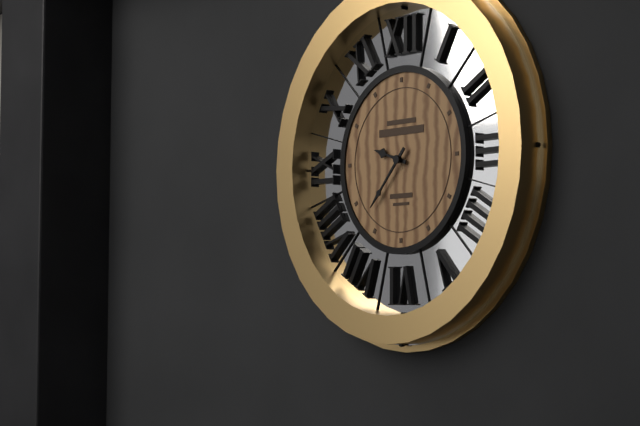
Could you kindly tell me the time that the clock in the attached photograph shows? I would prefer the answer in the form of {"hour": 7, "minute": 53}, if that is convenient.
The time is {"hour": 9, "minute": 37}
